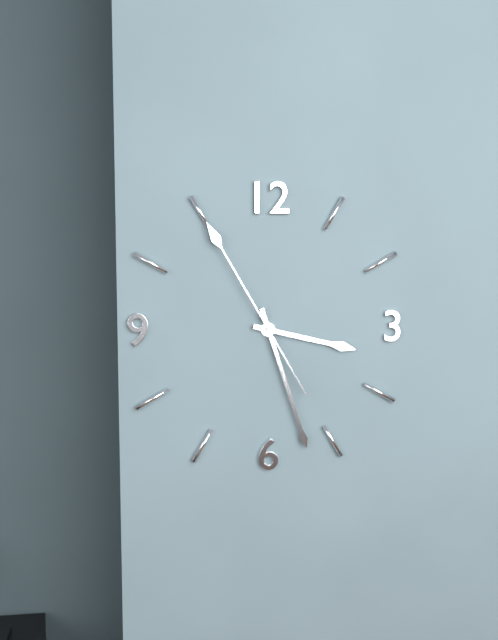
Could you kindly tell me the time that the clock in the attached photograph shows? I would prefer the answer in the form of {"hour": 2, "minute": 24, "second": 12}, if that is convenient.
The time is {"hour": 3, "minute": 27, "second": 55}
